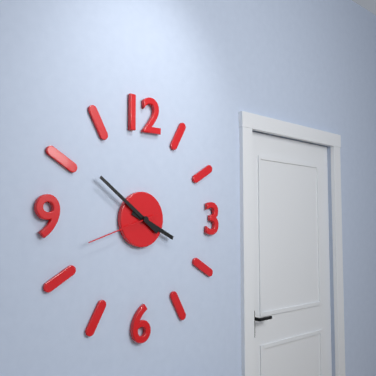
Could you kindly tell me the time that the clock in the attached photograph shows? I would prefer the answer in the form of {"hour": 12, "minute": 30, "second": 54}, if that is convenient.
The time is {"hour": 3, "minute": 51, "second": 42}
